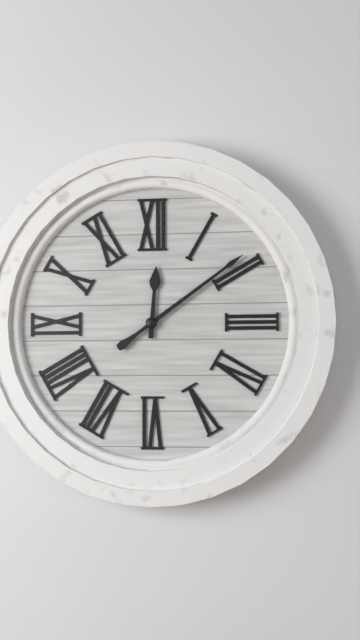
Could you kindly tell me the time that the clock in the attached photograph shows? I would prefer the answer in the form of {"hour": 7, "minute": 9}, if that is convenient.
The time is {"hour": 12, "minute": 9}
